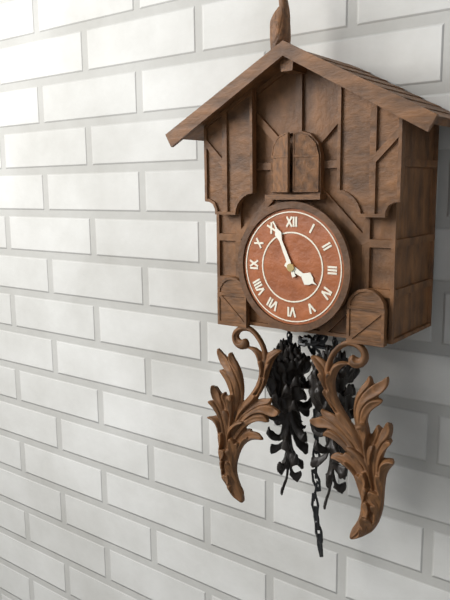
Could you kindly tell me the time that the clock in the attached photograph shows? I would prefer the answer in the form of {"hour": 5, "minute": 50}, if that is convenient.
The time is {"hour": 3, "minute": 56}
